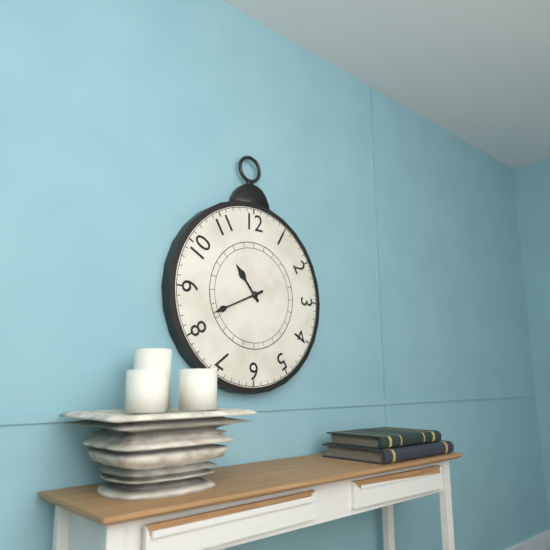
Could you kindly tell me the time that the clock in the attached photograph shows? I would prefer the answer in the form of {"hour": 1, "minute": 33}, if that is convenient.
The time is {"hour": 10, "minute": 41}
